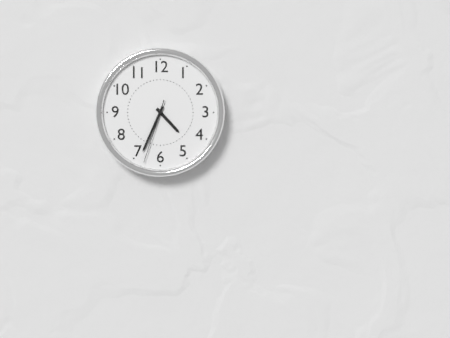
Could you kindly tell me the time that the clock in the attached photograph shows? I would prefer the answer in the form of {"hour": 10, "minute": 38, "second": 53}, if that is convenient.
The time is {"hour": 4, "minute": 34, "second": 33}
